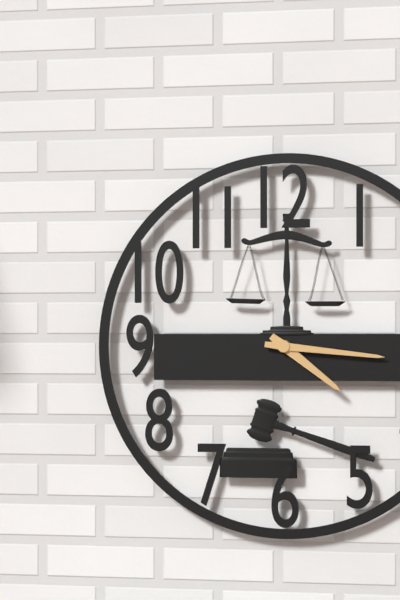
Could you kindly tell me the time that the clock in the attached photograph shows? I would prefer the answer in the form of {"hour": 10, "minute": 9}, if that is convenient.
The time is {"hour": 4, "minute": 16}
